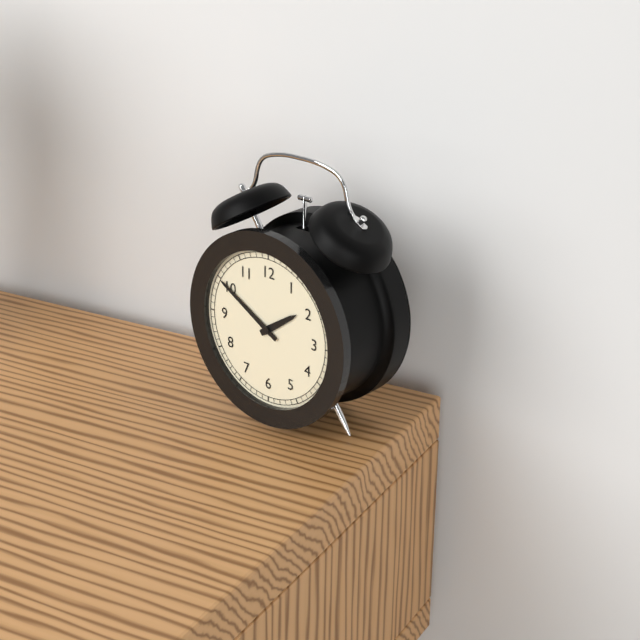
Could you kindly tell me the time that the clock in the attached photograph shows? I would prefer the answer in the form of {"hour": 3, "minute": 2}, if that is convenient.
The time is {"hour": 1, "minute": 50}
